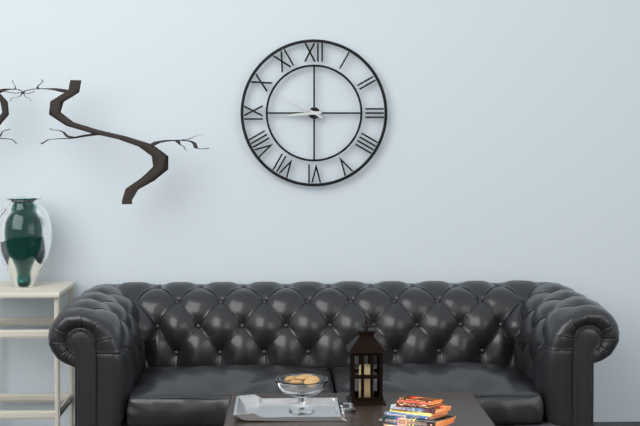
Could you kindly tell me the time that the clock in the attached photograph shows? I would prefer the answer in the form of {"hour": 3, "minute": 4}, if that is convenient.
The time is {"hour": 8, "minute": 50}
